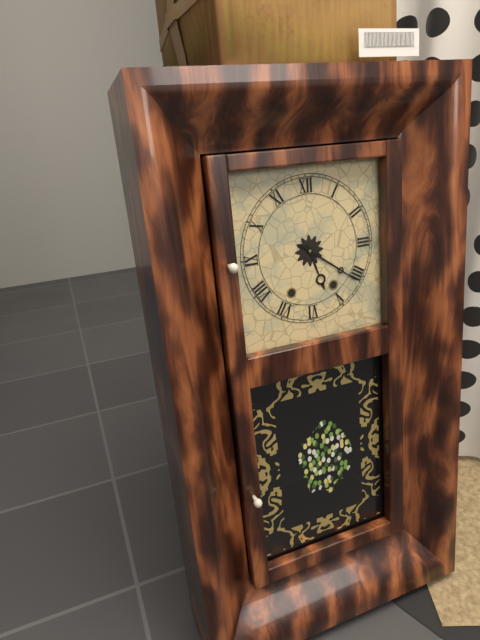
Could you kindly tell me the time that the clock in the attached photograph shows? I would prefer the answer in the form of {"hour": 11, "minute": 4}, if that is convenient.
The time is {"hour": 5, "minute": 21}
